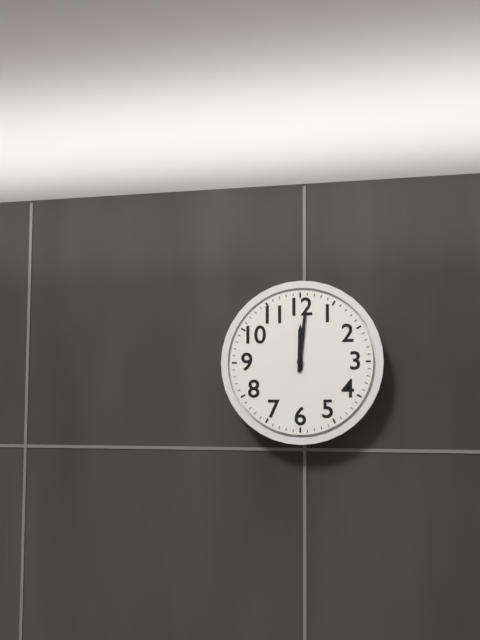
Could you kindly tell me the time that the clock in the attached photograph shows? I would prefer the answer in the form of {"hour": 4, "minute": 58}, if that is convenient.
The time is {"hour": 12, "minute": 1}
